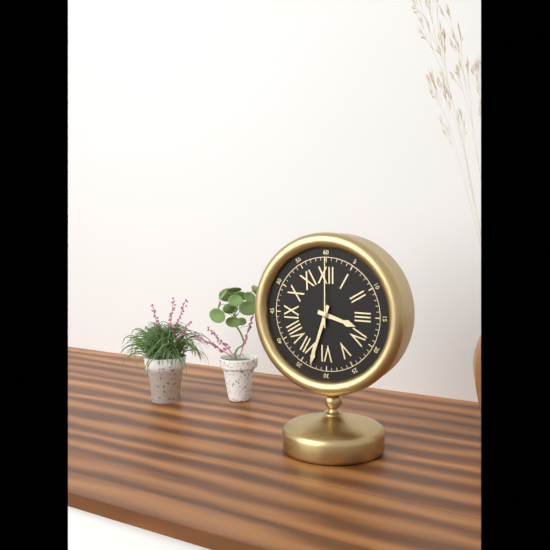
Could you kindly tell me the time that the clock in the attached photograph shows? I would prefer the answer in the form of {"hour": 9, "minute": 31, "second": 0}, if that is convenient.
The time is {"hour": 3, "minute": 33, "second": 0}
